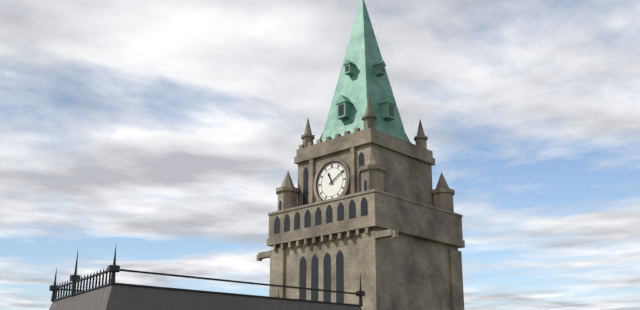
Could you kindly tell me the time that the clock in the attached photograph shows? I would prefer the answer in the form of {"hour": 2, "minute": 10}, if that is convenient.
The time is {"hour": 11, "minute": 10}
